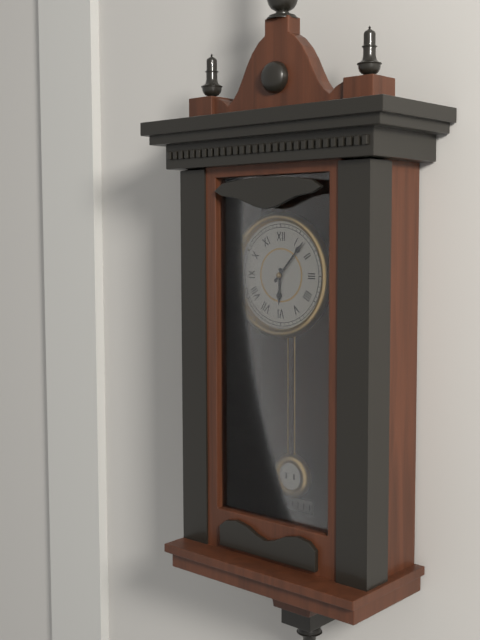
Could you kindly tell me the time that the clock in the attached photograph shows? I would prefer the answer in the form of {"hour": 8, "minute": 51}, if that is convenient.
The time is {"hour": 6, "minute": 7}
